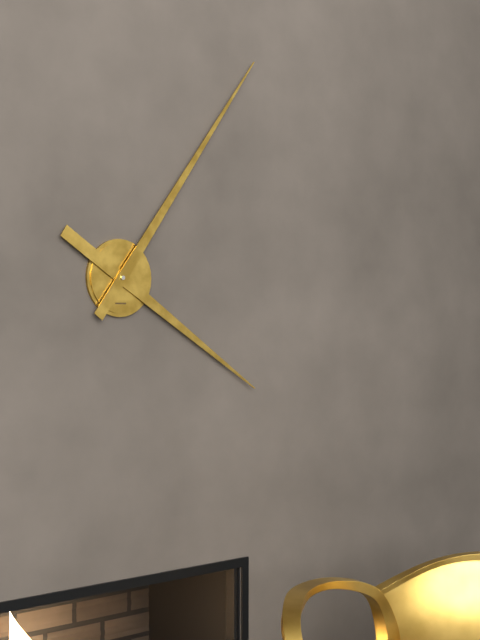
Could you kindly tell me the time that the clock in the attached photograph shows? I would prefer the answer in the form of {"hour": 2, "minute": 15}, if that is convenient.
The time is {"hour": 4, "minute": 6}
